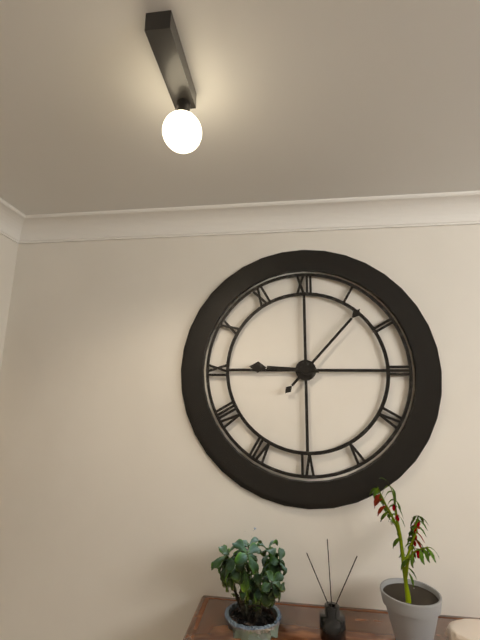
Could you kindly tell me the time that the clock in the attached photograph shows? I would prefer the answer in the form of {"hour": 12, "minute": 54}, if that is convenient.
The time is {"hour": 9, "minute": 7}
